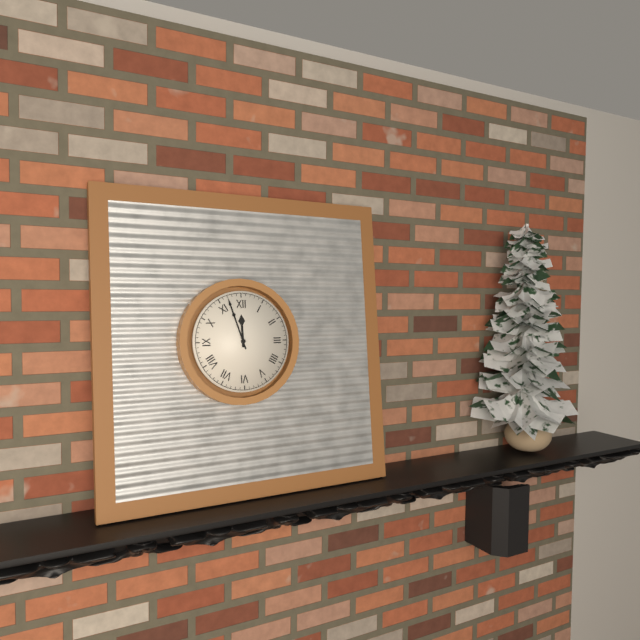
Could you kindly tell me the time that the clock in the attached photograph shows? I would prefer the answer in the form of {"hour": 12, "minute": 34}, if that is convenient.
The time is {"hour": 11, "minute": 57}
